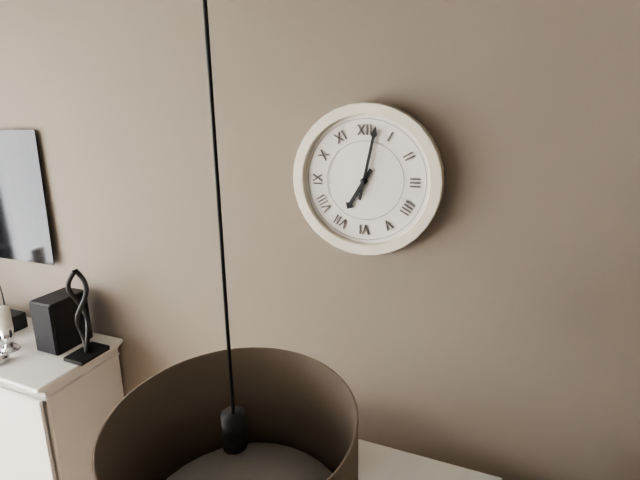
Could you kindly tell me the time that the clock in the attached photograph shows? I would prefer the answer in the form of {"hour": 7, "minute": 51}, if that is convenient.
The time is {"hour": 7, "minute": 2}
